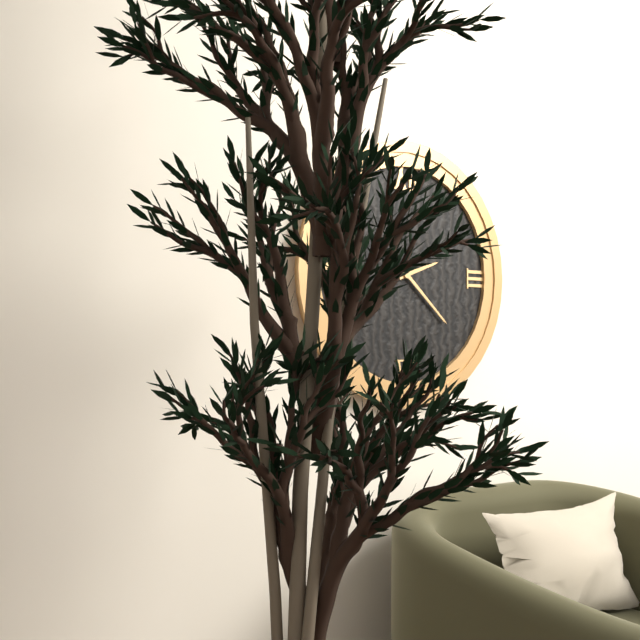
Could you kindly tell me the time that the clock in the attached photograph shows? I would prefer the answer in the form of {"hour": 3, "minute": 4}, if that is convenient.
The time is {"hour": 2, "minute": 22}
